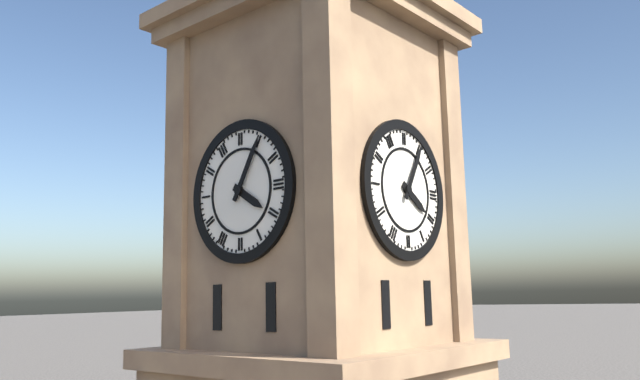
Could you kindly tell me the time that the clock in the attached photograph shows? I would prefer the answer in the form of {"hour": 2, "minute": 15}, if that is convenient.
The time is {"hour": 4, "minute": 5}
